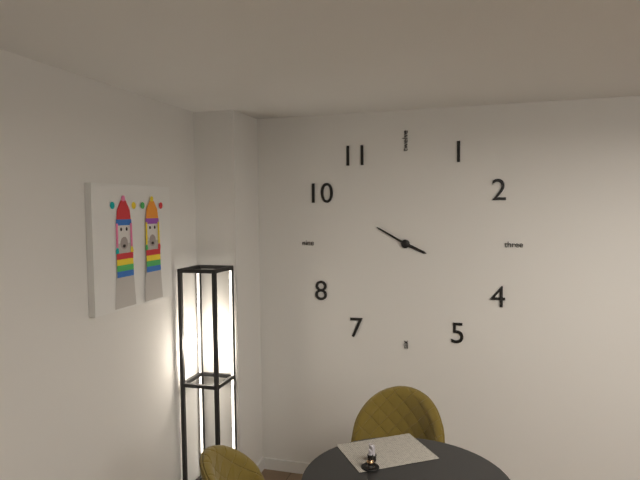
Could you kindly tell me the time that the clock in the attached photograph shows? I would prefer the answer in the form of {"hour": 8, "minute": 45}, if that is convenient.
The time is {"hour": 3, "minute": 50}
